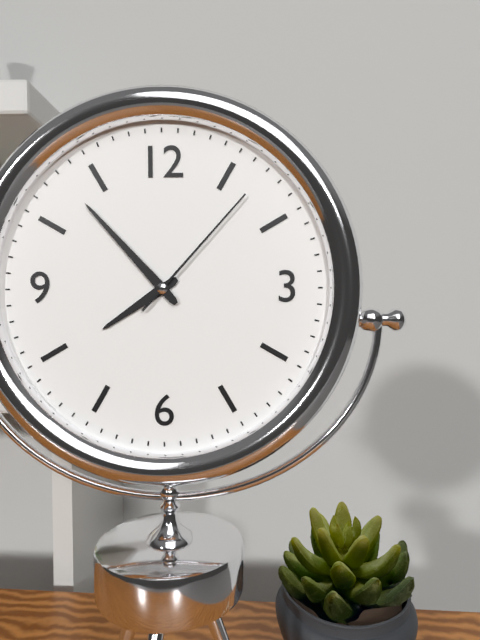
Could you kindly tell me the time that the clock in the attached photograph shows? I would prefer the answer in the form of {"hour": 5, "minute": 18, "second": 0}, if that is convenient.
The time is {"hour": 7, "minute": 53, "second": 7}
